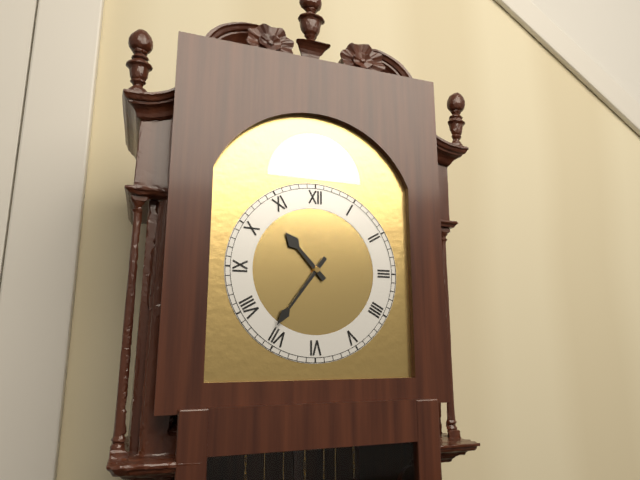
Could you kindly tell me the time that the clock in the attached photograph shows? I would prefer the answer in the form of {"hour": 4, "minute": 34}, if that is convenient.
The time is {"hour": 10, "minute": 36}
